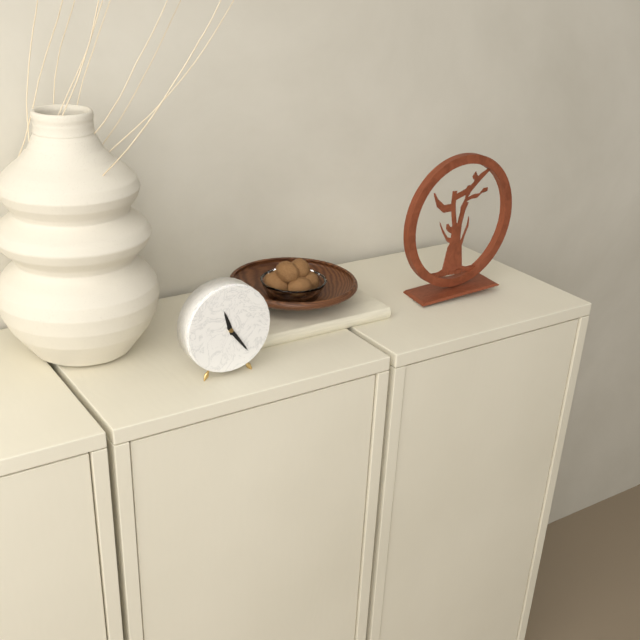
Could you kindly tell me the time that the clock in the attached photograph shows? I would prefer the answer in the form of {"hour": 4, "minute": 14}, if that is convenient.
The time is {"hour": 11, "minute": 24}
